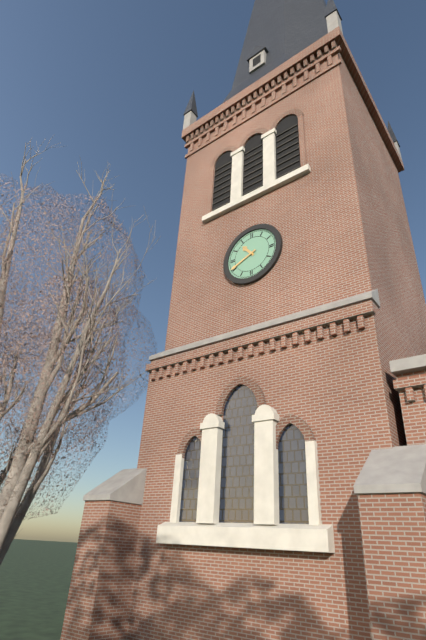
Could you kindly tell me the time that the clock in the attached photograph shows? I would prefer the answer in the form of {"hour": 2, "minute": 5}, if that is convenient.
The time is {"hour": 10, "minute": 41}
